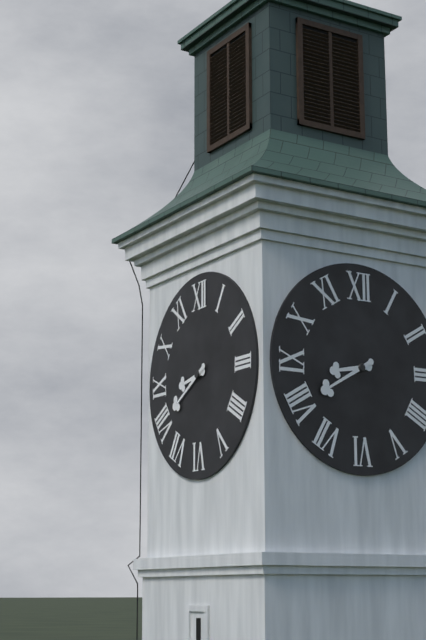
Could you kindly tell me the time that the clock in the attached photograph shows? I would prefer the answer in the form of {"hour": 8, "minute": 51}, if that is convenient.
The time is {"hour": 8, "minute": 40}
